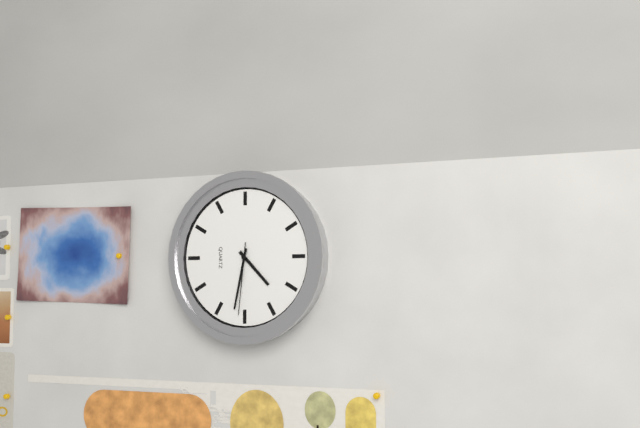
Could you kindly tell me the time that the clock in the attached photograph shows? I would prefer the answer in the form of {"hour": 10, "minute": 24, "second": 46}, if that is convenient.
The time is {"hour": 4, "minute": 32, "second": 31}
